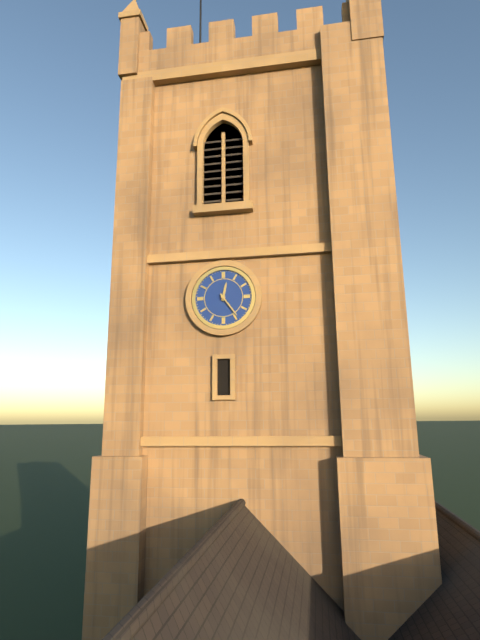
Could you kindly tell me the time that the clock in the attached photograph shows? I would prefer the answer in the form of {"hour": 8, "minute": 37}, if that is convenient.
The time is {"hour": 12, "minute": 24}
